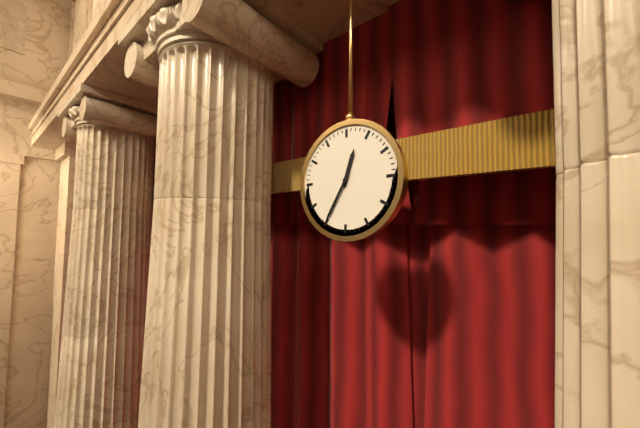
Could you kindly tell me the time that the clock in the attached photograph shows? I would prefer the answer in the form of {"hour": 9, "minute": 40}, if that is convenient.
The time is {"hour": 12, "minute": 35}
